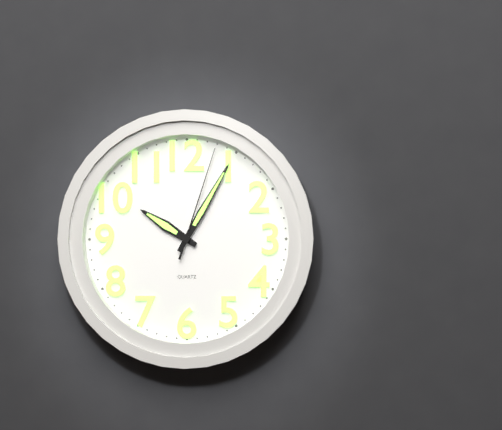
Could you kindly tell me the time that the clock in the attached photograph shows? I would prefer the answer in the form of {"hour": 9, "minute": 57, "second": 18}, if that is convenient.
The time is {"hour": 10, "minute": 5, "second": 3}
